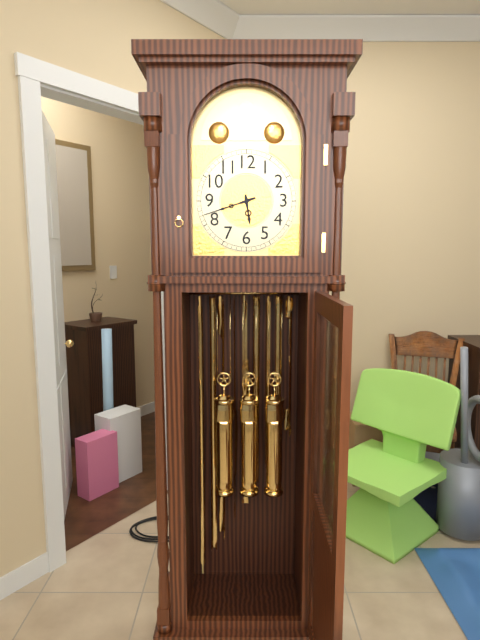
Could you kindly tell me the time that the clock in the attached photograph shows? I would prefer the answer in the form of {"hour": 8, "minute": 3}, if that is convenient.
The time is {"hour": 5, "minute": 42}
